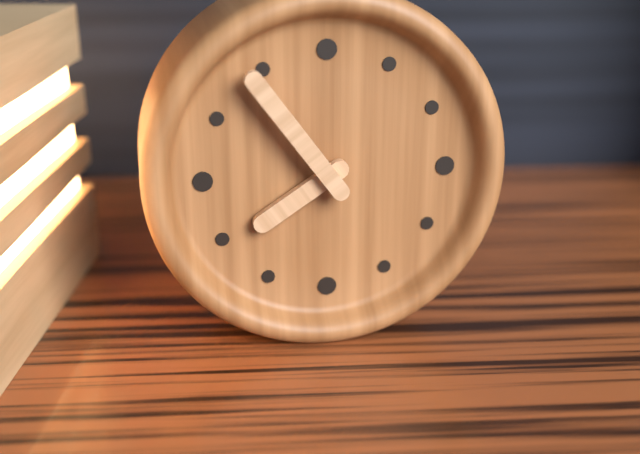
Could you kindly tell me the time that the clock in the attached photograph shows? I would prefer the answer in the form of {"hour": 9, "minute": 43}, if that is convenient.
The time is {"hour": 7, "minute": 54}
